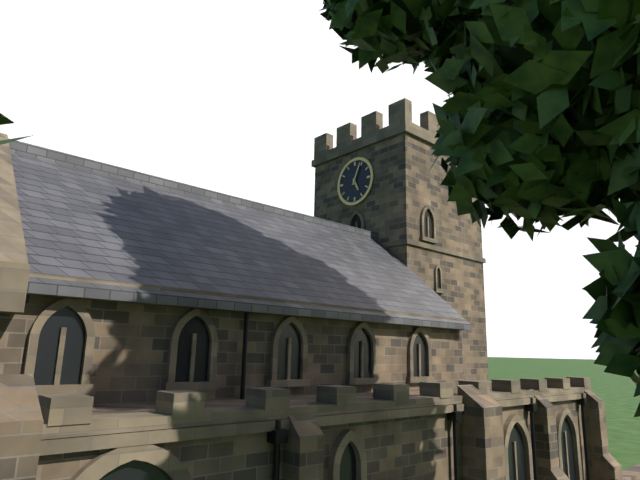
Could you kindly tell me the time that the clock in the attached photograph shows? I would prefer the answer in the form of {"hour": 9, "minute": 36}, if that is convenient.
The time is {"hour": 5, "minute": 4}
